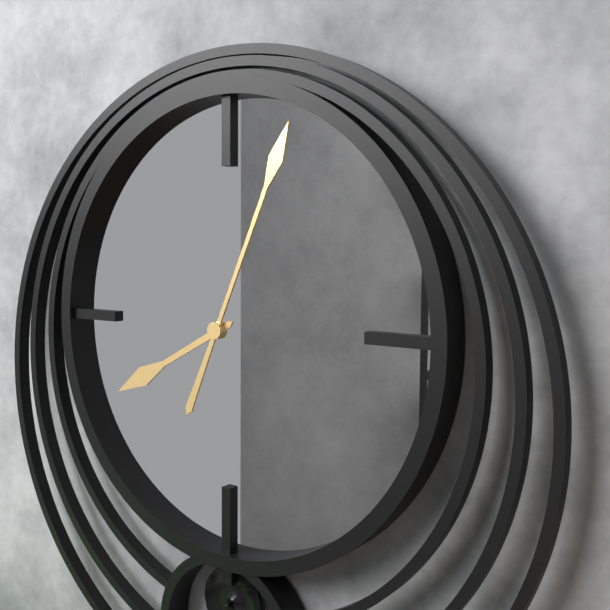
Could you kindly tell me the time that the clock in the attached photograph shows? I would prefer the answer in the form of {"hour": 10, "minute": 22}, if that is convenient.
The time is {"hour": 8, "minute": 4}
